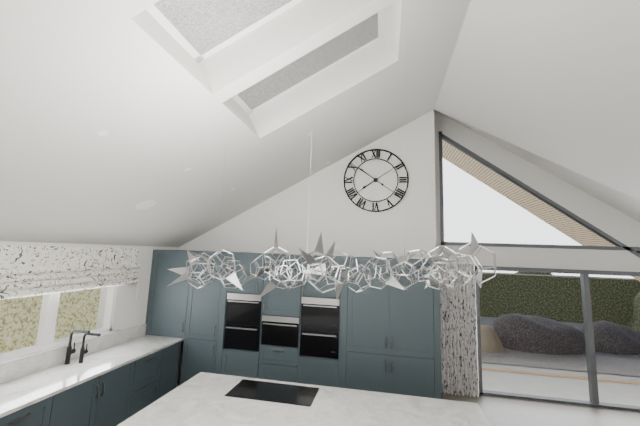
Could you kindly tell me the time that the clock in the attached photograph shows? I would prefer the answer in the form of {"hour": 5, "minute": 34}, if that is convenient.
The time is {"hour": 7, "minute": 51}
